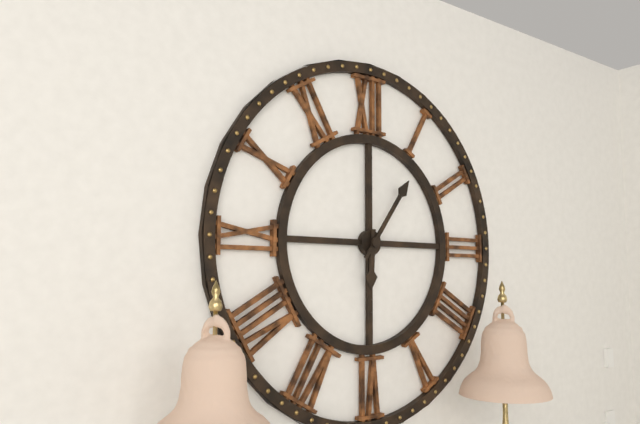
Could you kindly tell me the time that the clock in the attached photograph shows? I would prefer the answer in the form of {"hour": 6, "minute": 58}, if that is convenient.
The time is {"hour": 6, "minute": 6}
